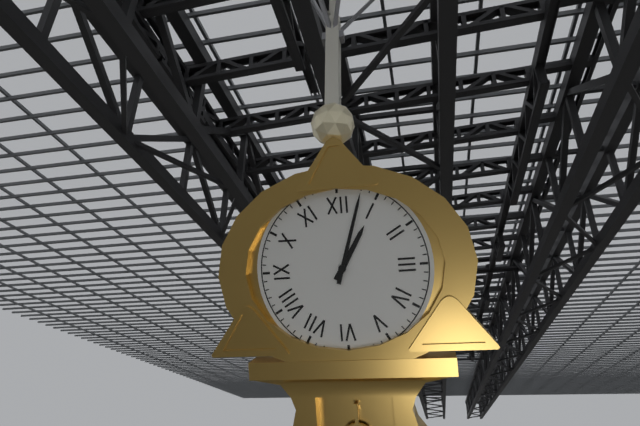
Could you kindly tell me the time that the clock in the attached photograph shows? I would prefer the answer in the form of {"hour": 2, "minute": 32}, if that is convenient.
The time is {"hour": 1, "minute": 3}
